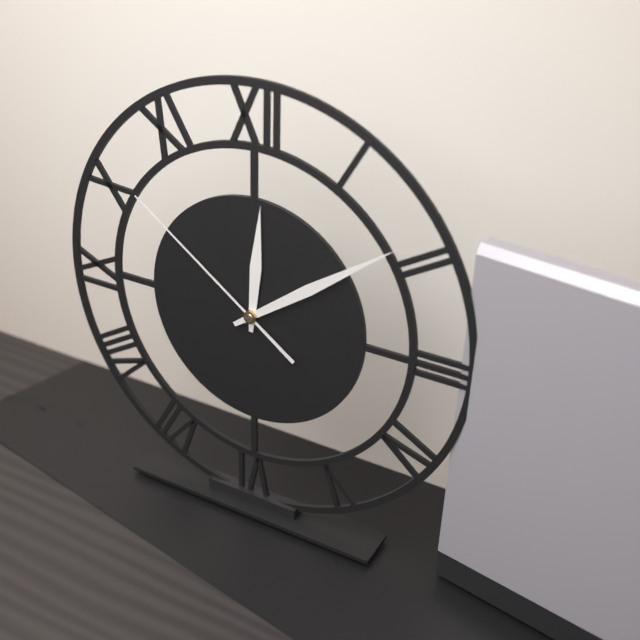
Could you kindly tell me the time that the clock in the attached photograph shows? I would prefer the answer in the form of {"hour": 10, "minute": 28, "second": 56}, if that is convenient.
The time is {"hour": 12, "minute": 9, "second": 51}
